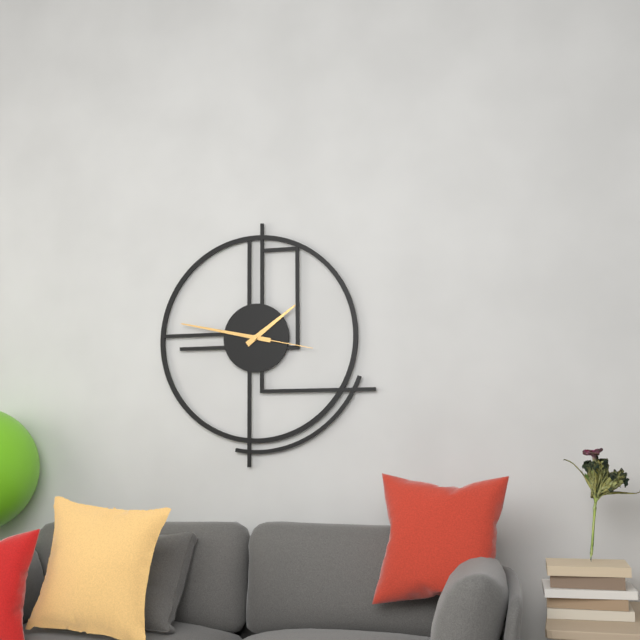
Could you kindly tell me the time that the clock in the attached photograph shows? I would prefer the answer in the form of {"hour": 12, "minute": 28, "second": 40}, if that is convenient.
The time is {"hour": 1, "minute": 47, "second": 17}
